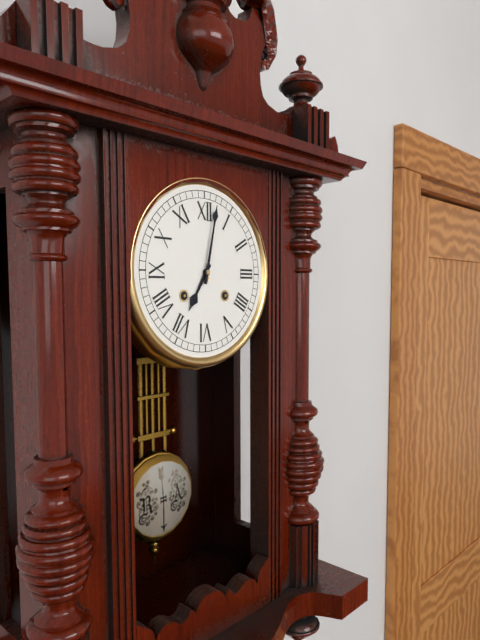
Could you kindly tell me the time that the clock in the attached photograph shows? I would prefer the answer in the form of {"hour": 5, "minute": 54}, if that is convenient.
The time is {"hour": 7, "minute": 2}
